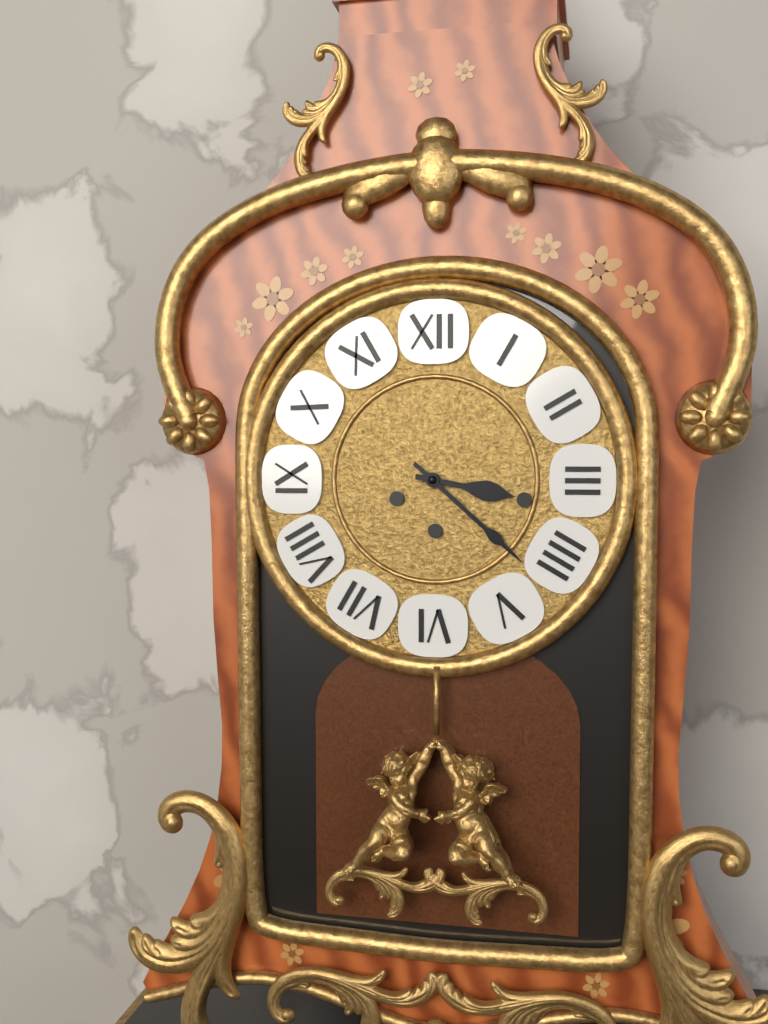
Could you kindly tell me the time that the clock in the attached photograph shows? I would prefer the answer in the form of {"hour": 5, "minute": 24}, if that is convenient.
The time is {"hour": 3, "minute": 22}
